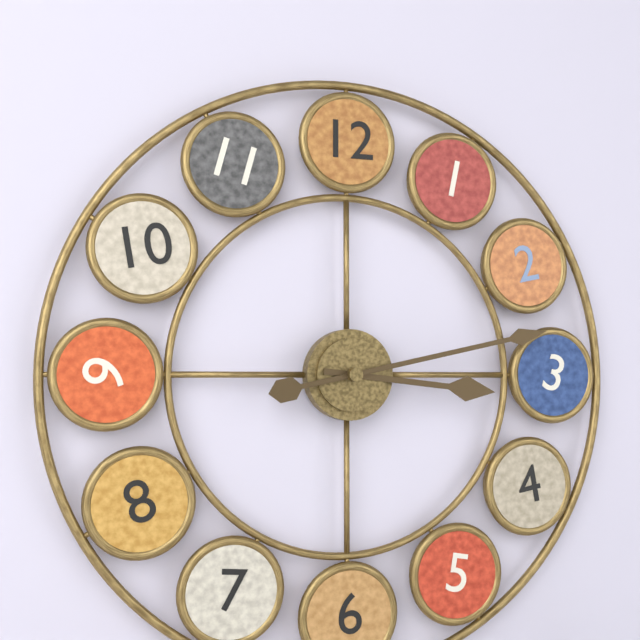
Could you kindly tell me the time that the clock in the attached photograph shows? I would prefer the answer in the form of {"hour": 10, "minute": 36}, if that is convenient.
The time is {"hour": 3, "minute": 13}
